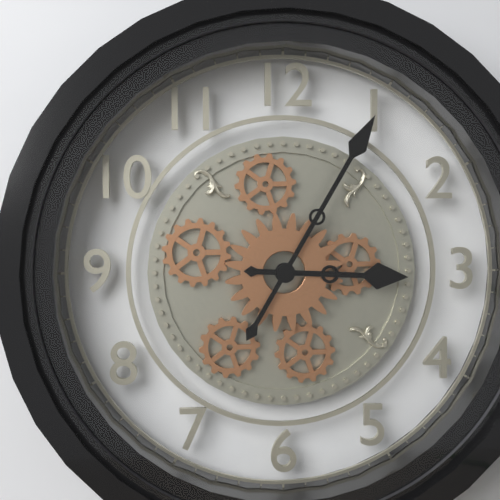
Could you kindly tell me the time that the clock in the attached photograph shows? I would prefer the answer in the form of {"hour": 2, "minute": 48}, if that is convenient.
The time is {"hour": 3, "minute": 5}
